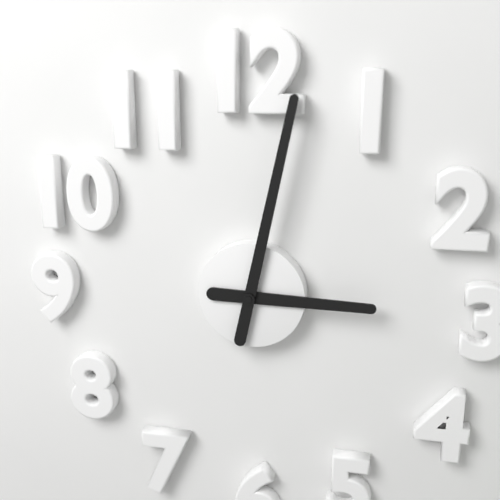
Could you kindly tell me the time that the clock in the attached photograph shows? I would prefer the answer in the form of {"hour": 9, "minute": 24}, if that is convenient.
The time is {"hour": 3, "minute": 2}
